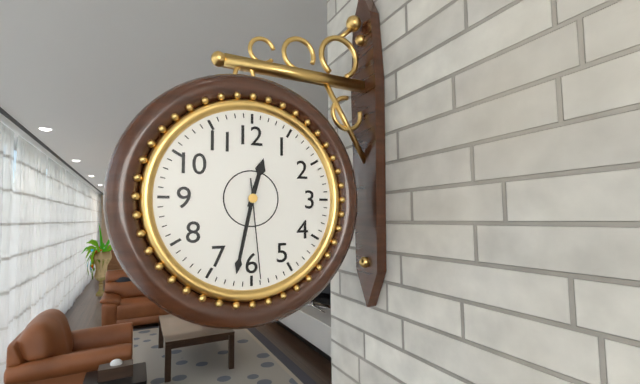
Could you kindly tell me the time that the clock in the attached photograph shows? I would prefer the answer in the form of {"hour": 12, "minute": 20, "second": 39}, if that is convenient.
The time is {"hour": 12, "minute": 32, "second": 29}
